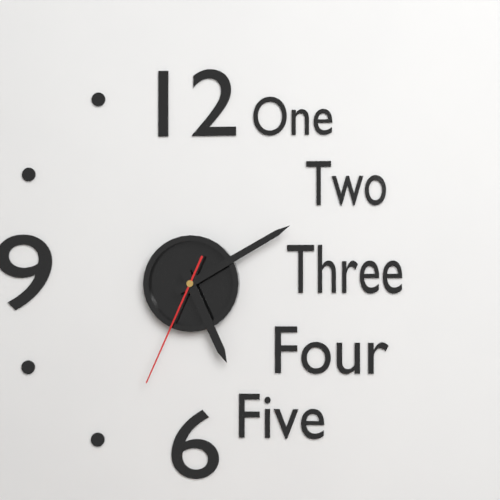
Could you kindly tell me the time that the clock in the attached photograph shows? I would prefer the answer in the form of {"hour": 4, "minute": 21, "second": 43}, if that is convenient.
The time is {"hour": 5, "minute": 10, "second": 34}
